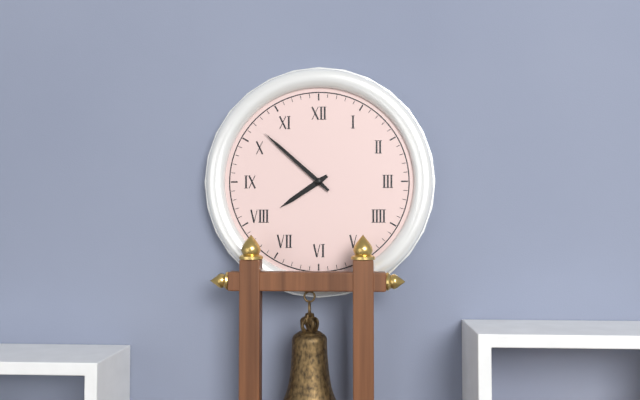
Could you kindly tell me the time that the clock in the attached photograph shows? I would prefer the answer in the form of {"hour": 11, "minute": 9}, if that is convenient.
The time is {"hour": 7, "minute": 52}
